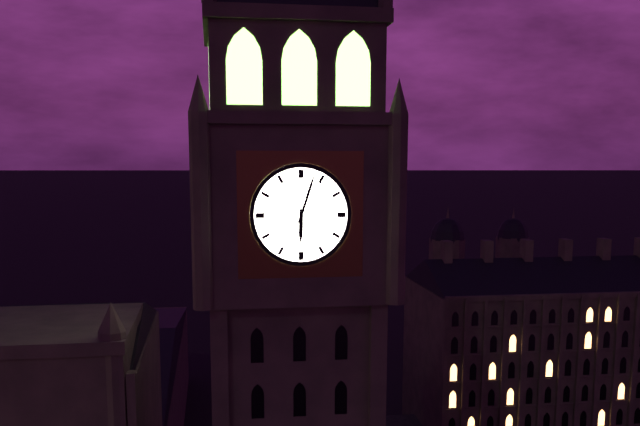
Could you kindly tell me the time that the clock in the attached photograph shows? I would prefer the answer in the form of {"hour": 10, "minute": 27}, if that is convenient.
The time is {"hour": 6, "minute": 3}
